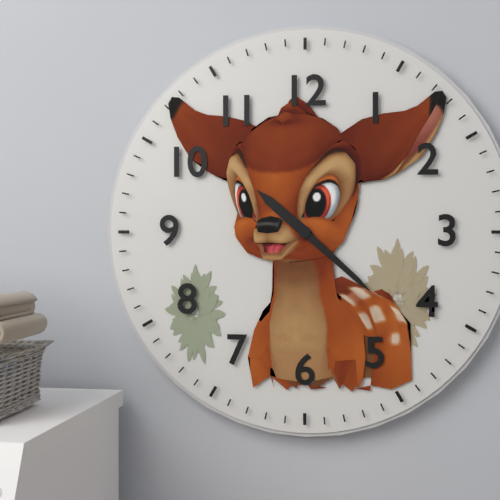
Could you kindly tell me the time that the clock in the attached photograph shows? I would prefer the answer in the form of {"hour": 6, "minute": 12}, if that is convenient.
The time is {"hour": 10, "minute": 22}
